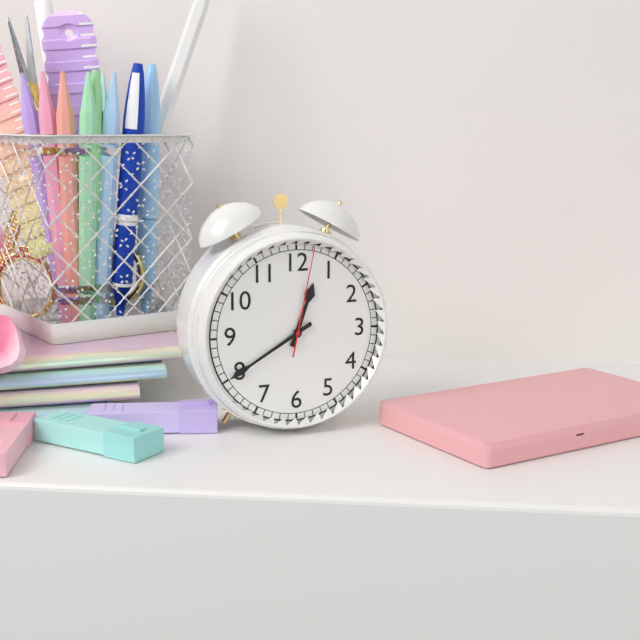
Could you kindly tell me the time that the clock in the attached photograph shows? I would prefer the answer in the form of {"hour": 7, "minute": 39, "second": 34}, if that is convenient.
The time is {"hour": 12, "minute": 40, "second": 2}
